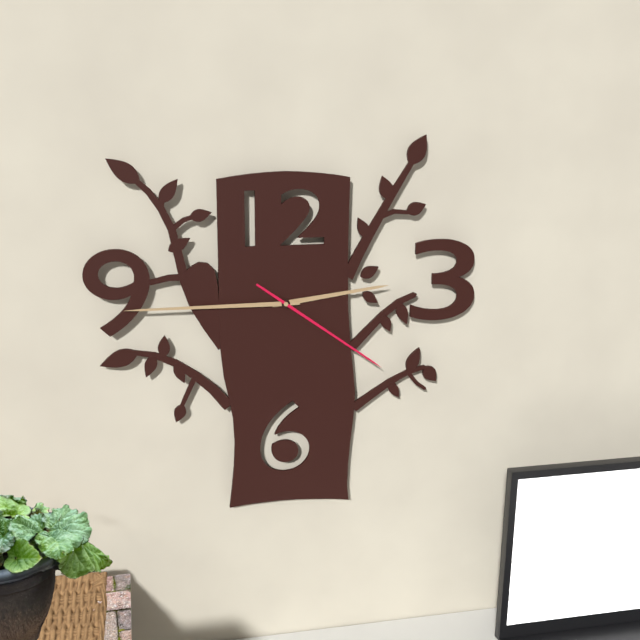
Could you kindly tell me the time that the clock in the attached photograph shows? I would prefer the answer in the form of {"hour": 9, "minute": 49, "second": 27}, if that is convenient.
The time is {"hour": 2, "minute": 45, "second": 21}
